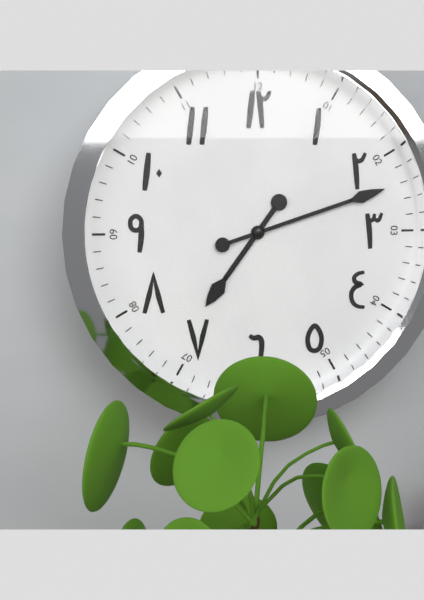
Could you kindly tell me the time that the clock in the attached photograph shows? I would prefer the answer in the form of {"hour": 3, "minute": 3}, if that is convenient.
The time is {"hour": 7, "minute": 12}
